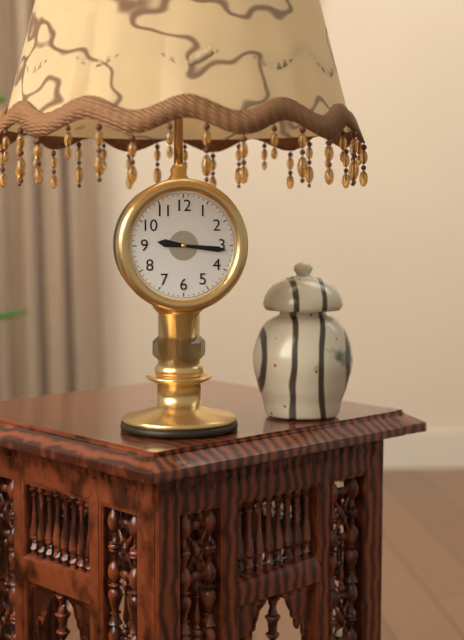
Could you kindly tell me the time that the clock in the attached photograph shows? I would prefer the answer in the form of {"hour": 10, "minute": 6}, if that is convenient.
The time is {"hour": 9, "minute": 16}
